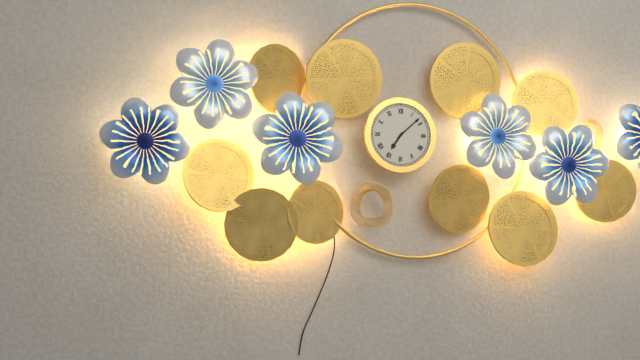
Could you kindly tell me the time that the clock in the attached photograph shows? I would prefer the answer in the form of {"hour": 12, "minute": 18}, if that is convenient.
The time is {"hour": 7, "minute": 8}
